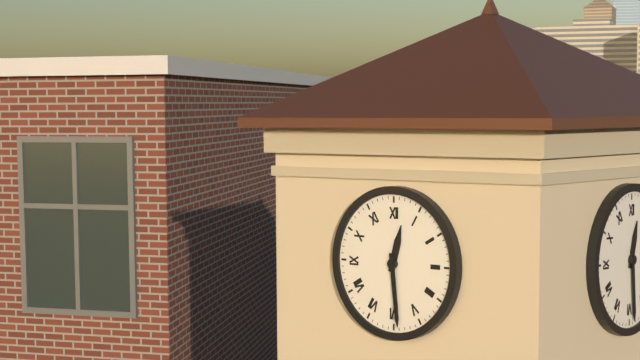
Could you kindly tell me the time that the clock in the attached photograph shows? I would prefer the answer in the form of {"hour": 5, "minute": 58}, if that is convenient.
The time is {"hour": 12, "minute": 29}
